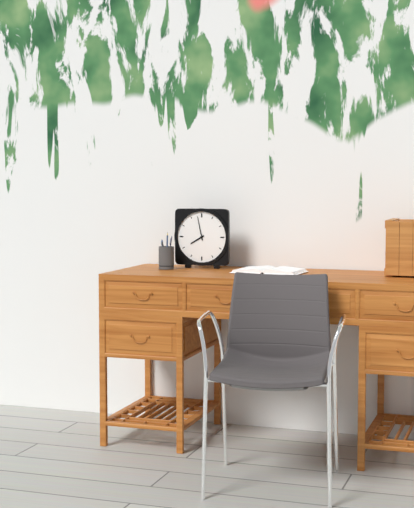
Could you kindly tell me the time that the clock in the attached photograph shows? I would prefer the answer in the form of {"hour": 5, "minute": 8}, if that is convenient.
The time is {"hour": 7, "minute": 58}
